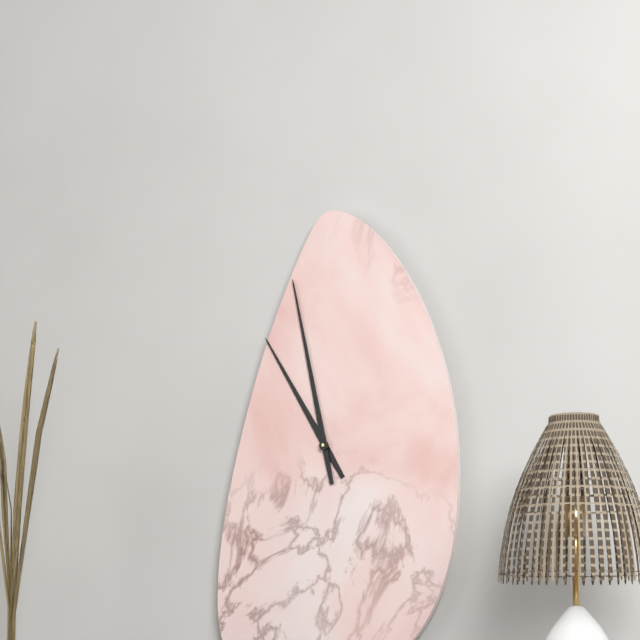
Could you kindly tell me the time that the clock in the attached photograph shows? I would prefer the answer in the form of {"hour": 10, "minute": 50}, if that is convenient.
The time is {"hour": 10, "minute": 58}
